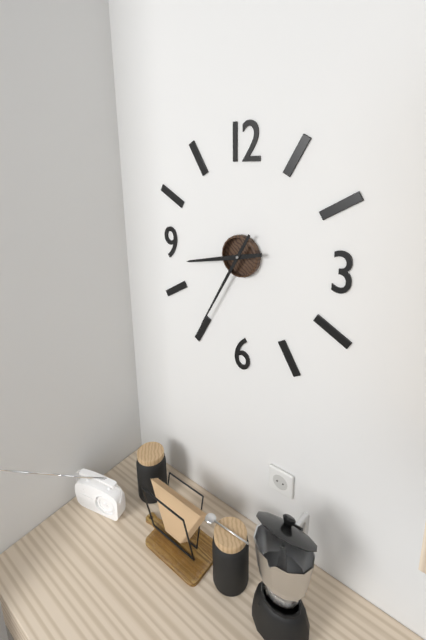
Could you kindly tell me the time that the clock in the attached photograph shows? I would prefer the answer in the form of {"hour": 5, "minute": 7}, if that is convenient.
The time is {"hour": 8, "minute": 35}
